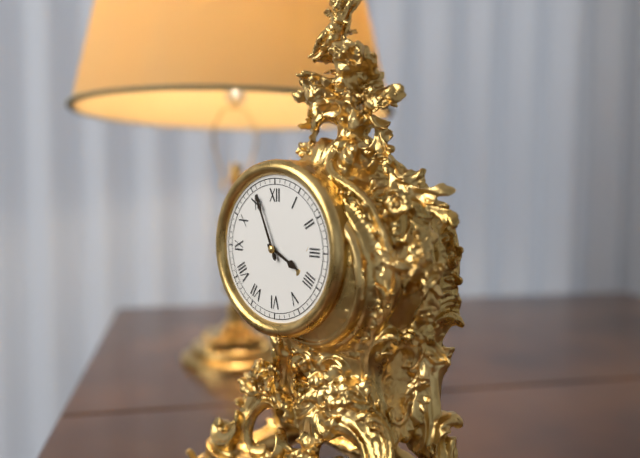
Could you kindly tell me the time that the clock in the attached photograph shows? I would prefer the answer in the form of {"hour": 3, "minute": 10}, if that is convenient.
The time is {"hour": 3, "minute": 56}
